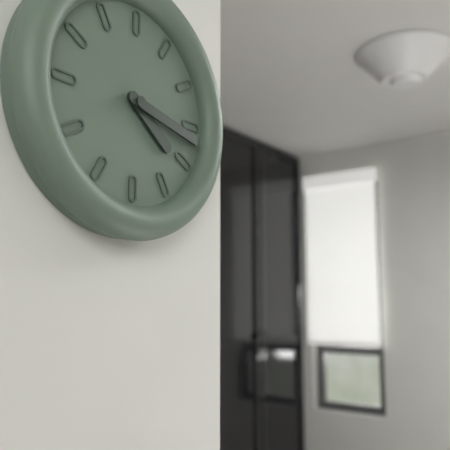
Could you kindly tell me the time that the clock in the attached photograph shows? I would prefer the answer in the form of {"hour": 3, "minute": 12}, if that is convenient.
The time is {"hour": 4, "minute": 17}
